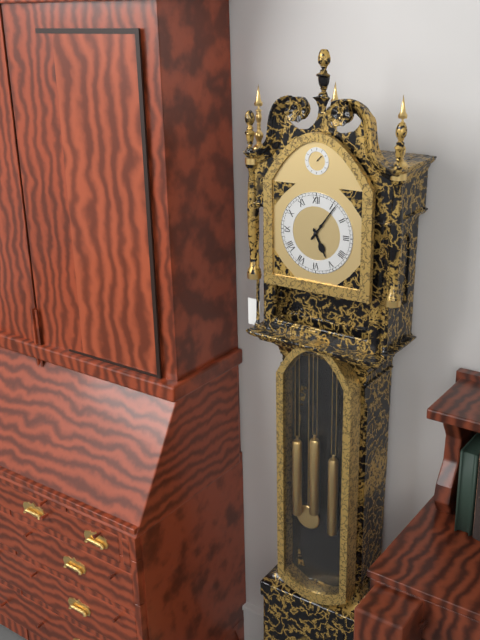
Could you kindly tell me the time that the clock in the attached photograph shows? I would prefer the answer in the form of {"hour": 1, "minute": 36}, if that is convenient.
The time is {"hour": 5, "minute": 6}
